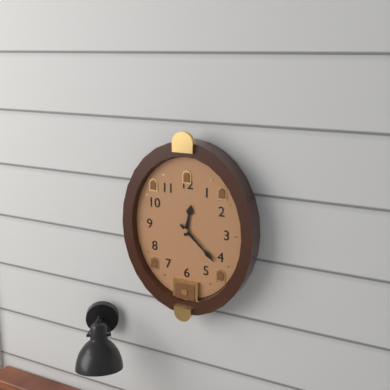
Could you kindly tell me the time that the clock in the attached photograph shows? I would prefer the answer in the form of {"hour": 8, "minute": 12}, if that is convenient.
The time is {"hour": 12, "minute": 22}
